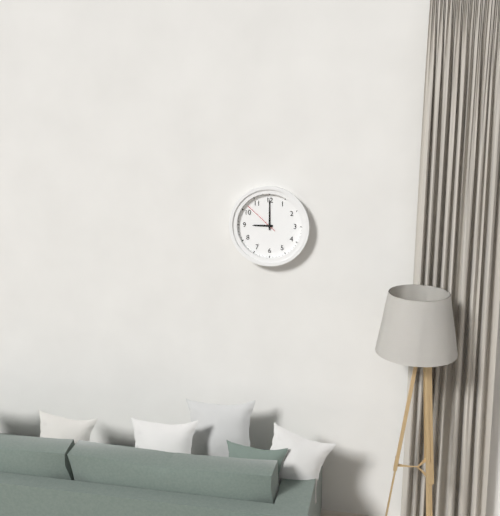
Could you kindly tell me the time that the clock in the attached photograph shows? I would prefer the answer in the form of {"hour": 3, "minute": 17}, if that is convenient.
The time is {"hour": 9, "minute": 0}
